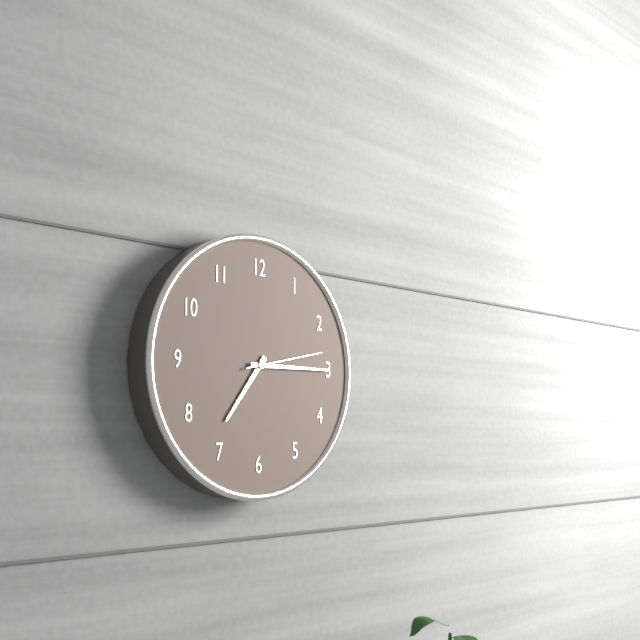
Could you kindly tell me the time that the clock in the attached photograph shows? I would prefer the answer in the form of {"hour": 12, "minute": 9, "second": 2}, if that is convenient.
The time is {"hour": 7, "minute": 15, "second": 13}
